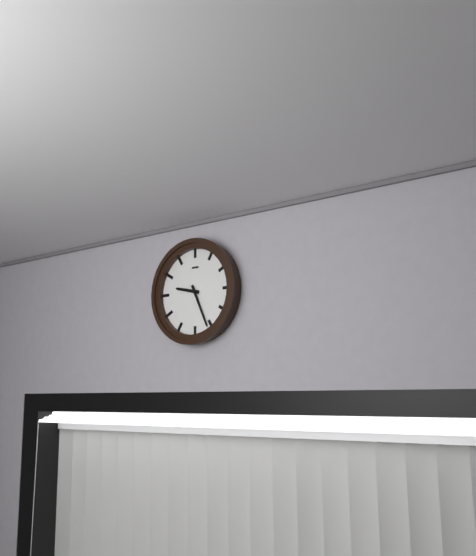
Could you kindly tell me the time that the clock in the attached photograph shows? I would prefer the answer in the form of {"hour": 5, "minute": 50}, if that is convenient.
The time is {"hour": 9, "minute": 26}
